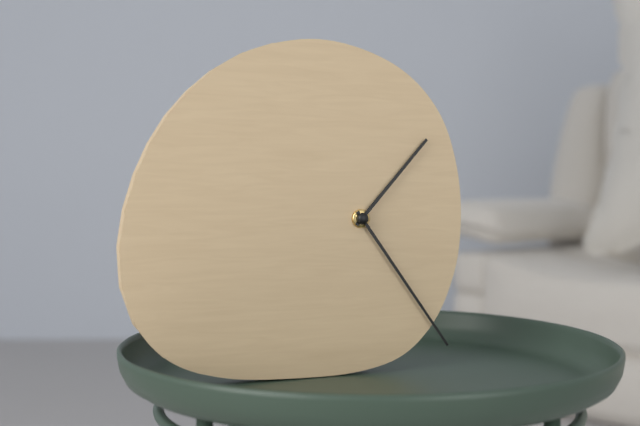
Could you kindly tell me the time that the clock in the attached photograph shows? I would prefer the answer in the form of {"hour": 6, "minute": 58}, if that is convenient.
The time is {"hour": 1, "minute": 24}
